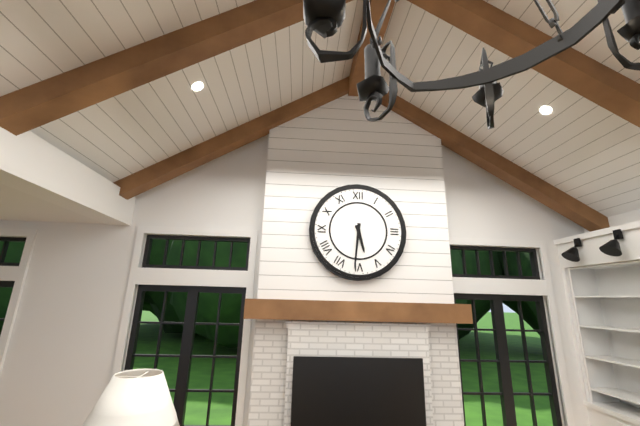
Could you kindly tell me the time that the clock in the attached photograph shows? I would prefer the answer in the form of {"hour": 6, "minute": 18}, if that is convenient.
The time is {"hour": 5, "minute": 31}
